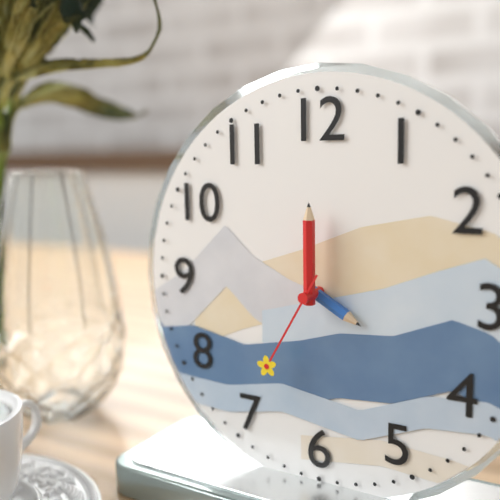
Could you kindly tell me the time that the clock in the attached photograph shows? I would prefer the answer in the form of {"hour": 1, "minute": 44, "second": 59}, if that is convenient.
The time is {"hour": 4, "minute": 0, "second": 35}
